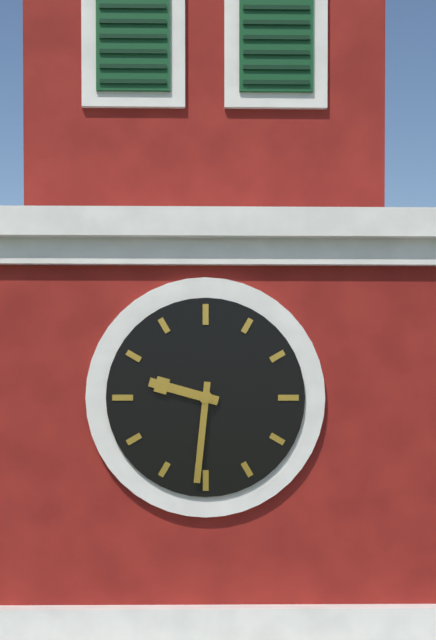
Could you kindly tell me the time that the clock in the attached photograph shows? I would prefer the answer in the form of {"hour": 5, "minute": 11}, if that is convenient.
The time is {"hour": 9, "minute": 31}
